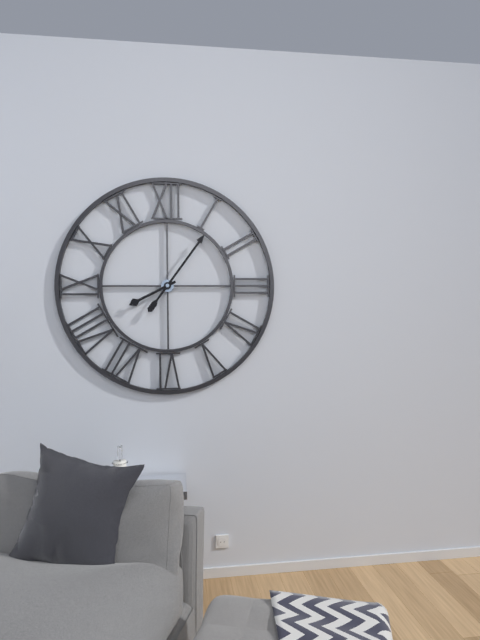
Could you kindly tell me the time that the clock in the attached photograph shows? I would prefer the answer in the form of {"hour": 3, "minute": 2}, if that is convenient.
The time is {"hour": 8, "minute": 6}
